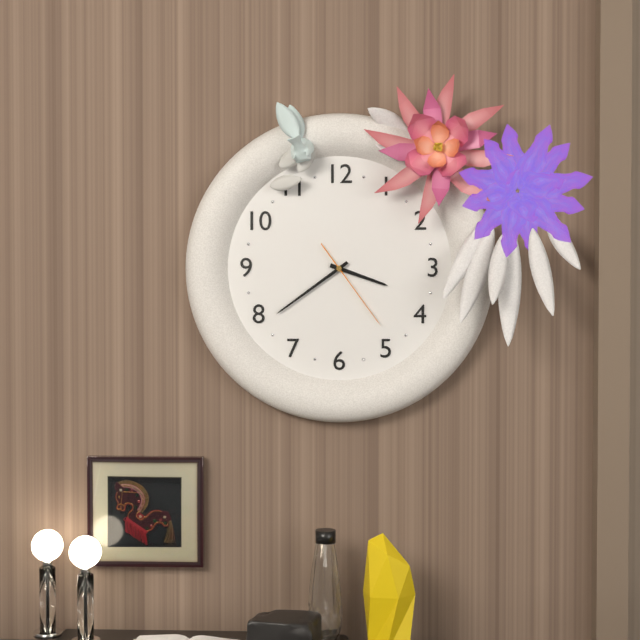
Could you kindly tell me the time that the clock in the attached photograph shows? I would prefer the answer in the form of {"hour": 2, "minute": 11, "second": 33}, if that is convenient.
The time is {"hour": 3, "minute": 39, "second": 24}
